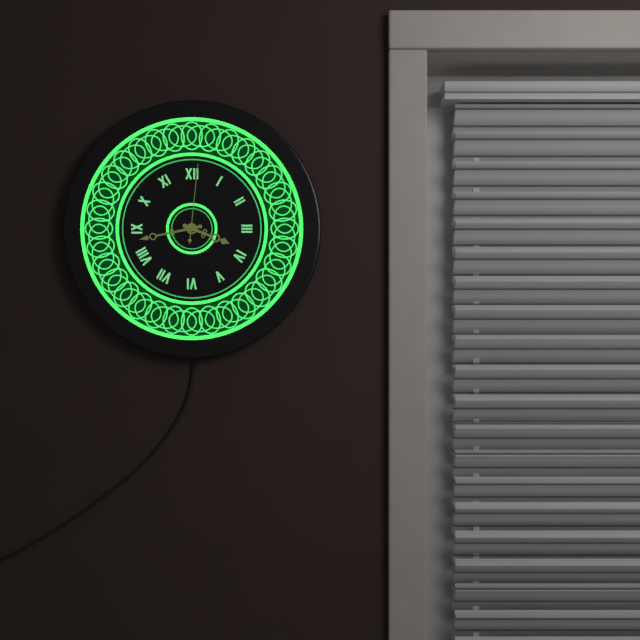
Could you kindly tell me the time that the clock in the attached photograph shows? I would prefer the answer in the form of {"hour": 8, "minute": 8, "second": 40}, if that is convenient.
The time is {"hour": 3, "minute": 43, "second": 1}
